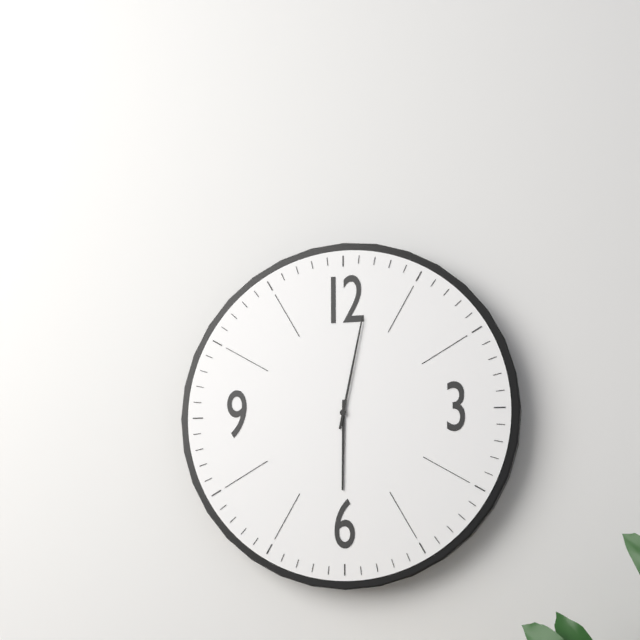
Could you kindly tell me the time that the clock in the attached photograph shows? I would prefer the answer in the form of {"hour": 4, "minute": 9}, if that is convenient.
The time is {"hour": 6, "minute": 2}
